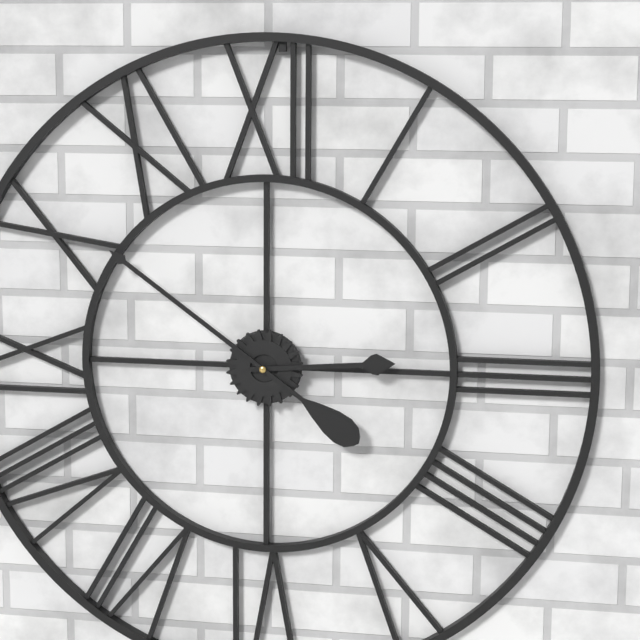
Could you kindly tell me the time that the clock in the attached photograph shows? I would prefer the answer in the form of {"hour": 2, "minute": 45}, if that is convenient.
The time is {"hour": 2, "minute": 51}
